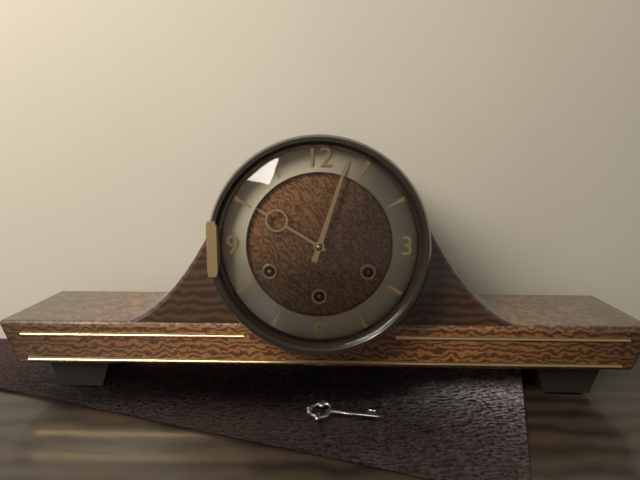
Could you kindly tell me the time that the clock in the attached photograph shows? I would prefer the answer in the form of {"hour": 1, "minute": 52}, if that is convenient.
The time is {"hour": 10, "minute": 3}
